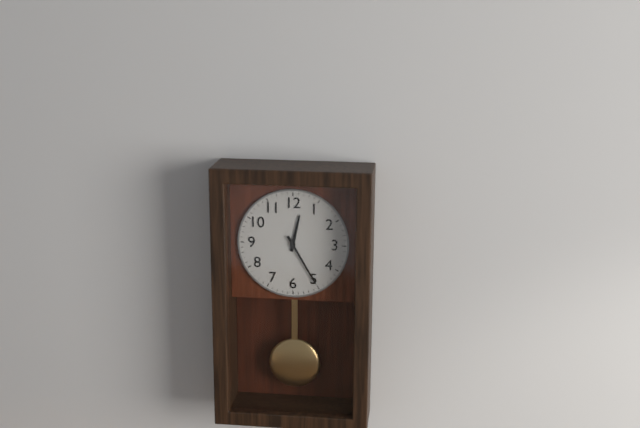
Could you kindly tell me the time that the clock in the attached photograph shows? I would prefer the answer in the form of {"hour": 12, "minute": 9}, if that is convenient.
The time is {"hour": 12, "minute": 25}
